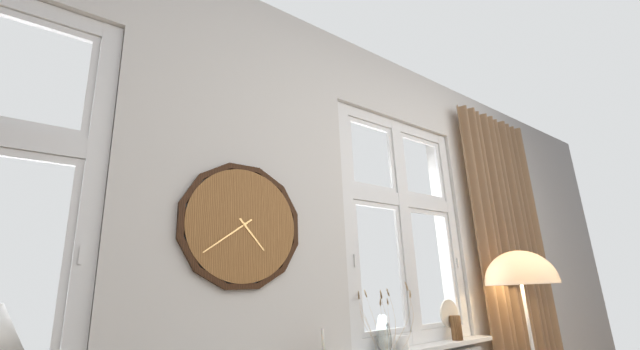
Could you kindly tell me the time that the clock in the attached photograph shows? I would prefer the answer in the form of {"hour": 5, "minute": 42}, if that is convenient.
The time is {"hour": 4, "minute": 39}
